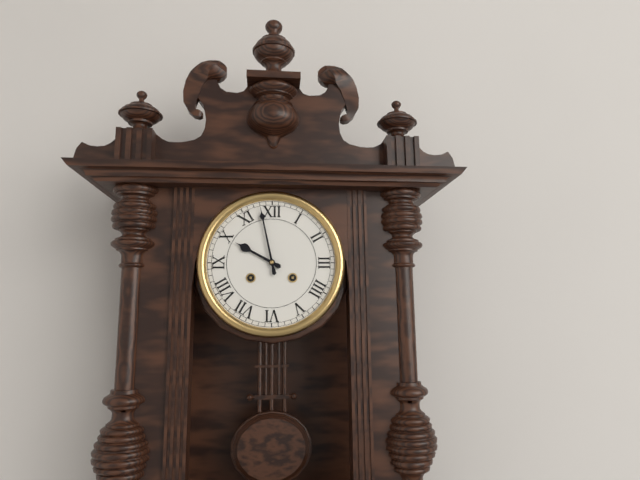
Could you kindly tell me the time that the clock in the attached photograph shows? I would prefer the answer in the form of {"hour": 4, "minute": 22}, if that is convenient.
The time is {"hour": 9, "minute": 58}
